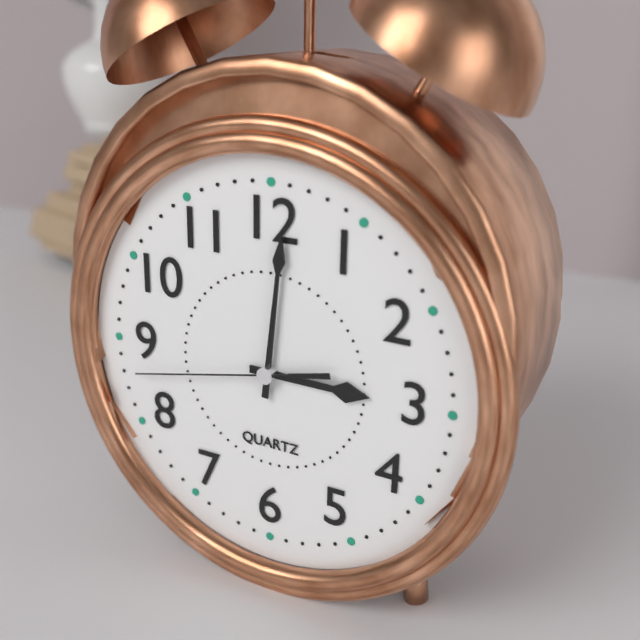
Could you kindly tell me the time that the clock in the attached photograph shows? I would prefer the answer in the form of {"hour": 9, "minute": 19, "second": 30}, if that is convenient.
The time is {"hour": 3, "minute": 1, "second": 43}
